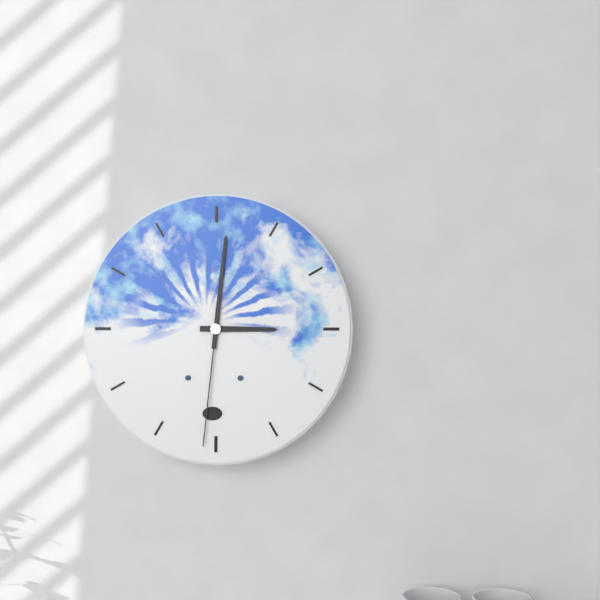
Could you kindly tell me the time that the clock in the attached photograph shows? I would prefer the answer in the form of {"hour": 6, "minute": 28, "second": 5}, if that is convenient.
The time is {"hour": 3, "minute": 1, "second": 31}
